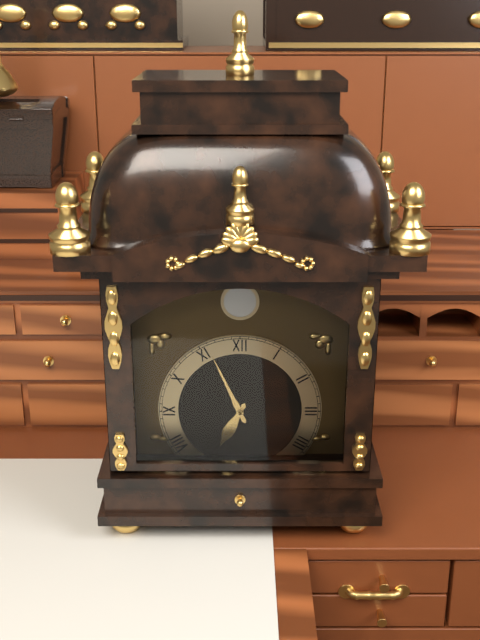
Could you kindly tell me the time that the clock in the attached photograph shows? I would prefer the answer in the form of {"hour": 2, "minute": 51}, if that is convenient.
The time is {"hour": 6, "minute": 56}
